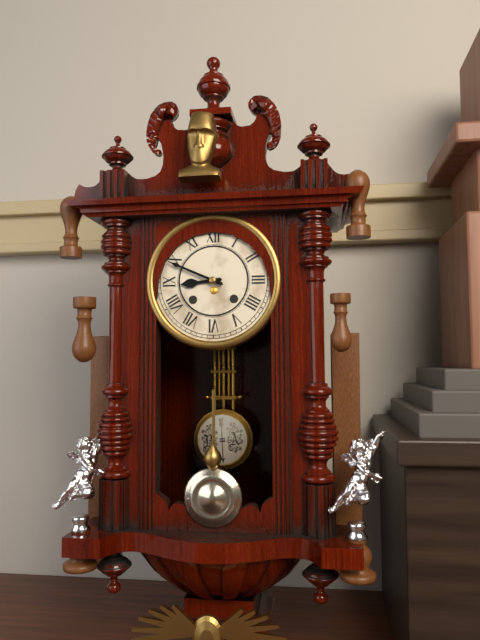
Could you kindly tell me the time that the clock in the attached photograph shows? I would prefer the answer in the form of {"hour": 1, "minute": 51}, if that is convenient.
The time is {"hour": 8, "minute": 49}
